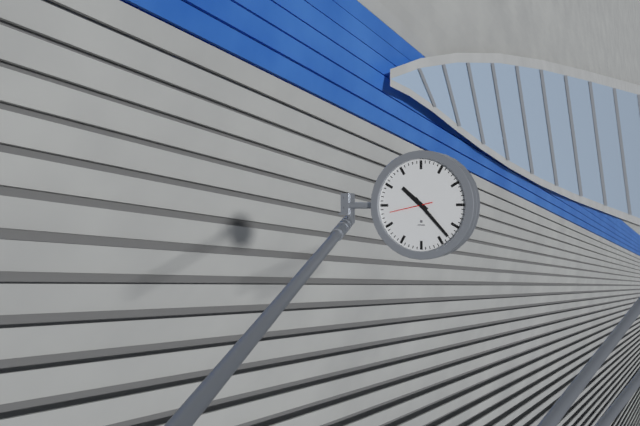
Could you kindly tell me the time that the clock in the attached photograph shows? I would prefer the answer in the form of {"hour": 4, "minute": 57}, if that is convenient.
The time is {"hour": 10, "minute": 23}
